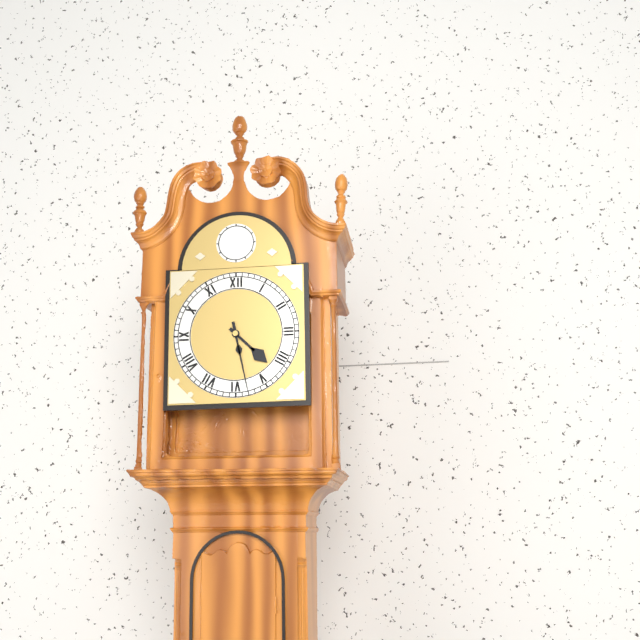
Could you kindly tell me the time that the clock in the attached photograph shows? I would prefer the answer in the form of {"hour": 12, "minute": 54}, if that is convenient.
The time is {"hour": 4, "minute": 28}
